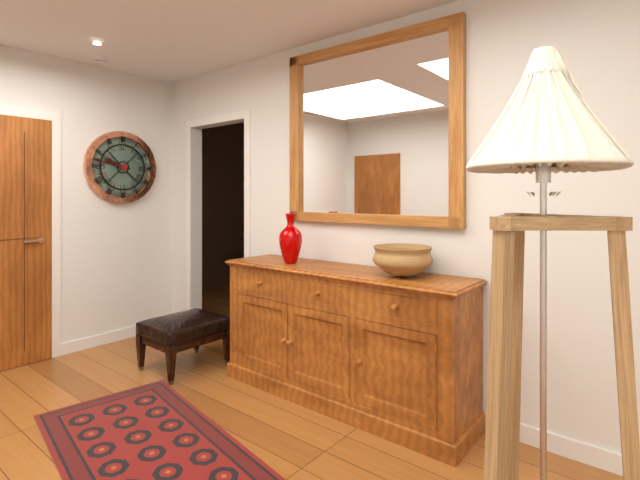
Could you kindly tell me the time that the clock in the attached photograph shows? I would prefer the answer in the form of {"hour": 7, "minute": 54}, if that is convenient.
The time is {"hour": 9, "minute": 47}
